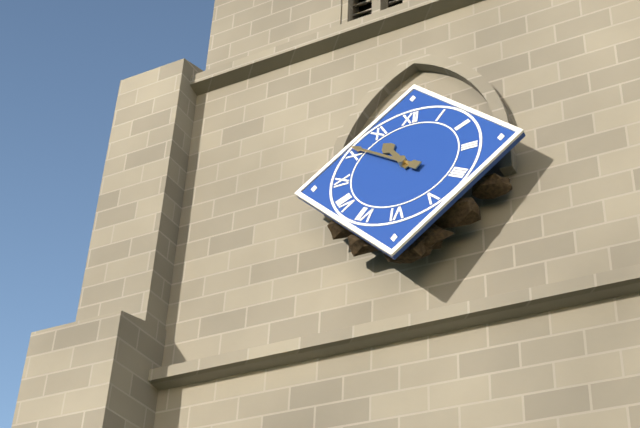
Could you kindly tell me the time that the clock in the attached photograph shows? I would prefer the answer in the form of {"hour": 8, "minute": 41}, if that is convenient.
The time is {"hour": 10, "minute": 51}
